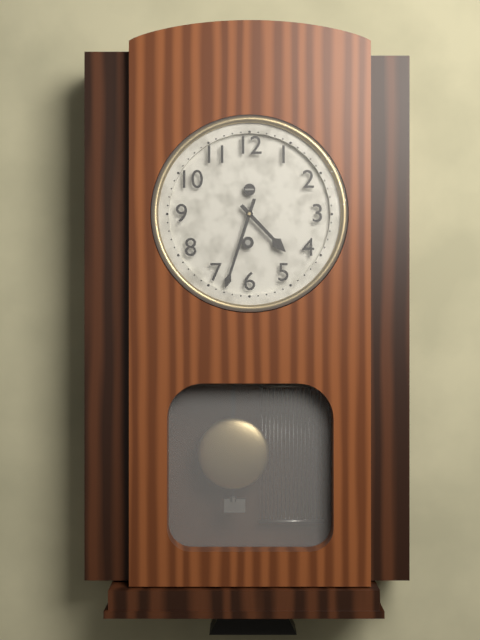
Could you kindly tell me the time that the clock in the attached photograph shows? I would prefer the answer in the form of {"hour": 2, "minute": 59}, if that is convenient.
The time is {"hour": 4, "minute": 33}
